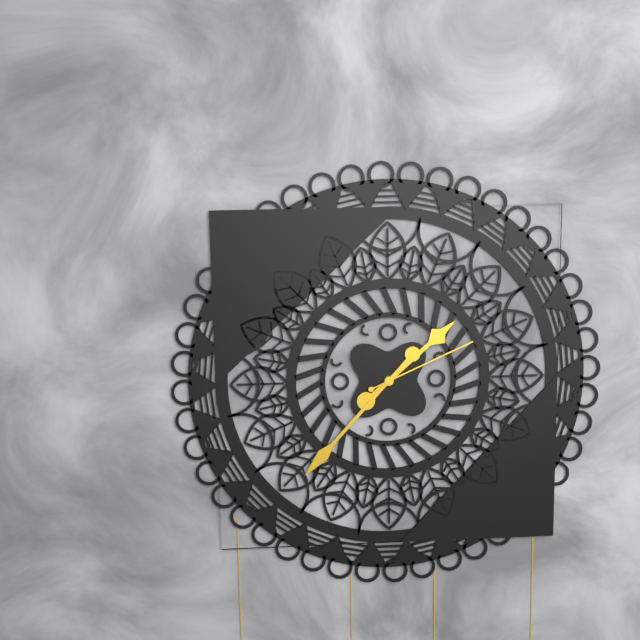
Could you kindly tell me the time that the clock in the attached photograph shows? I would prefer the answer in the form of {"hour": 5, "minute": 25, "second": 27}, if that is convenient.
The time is {"hour": 1, "minute": 37, "second": 11}
